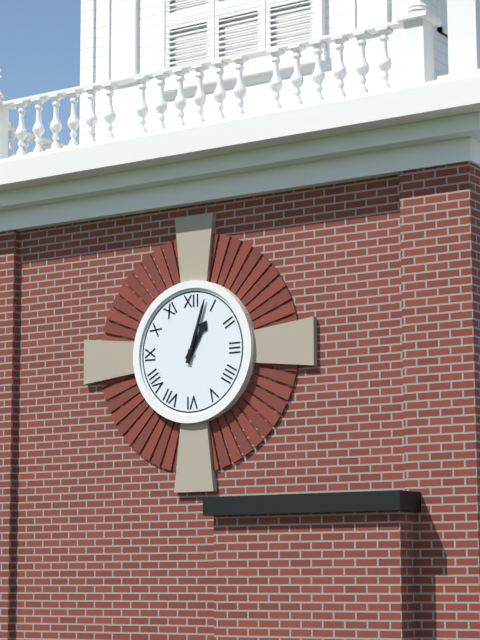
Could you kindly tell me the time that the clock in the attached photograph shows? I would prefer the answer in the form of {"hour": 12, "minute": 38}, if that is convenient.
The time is {"hour": 1, "minute": 3}
